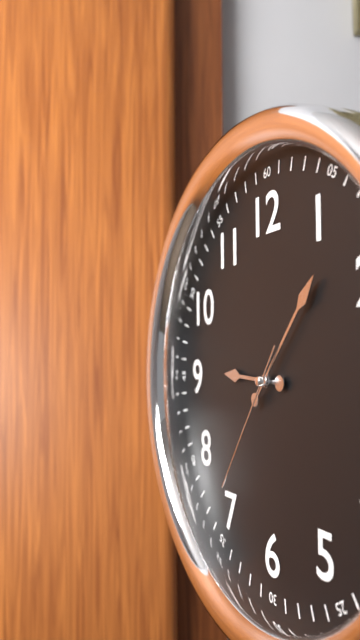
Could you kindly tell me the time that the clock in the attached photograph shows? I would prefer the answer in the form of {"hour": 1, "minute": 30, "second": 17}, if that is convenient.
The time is {"hour": 9, "minute": 7, "second": 36}
